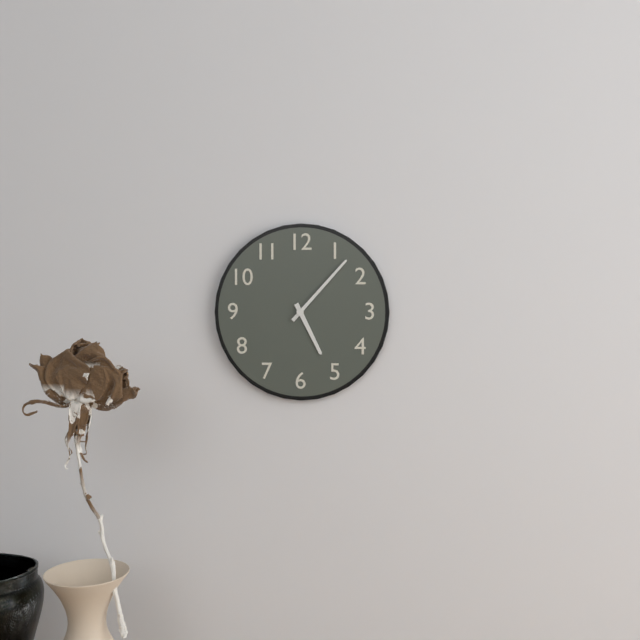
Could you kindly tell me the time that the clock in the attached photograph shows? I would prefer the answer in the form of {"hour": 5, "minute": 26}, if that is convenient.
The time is {"hour": 5, "minute": 7}
